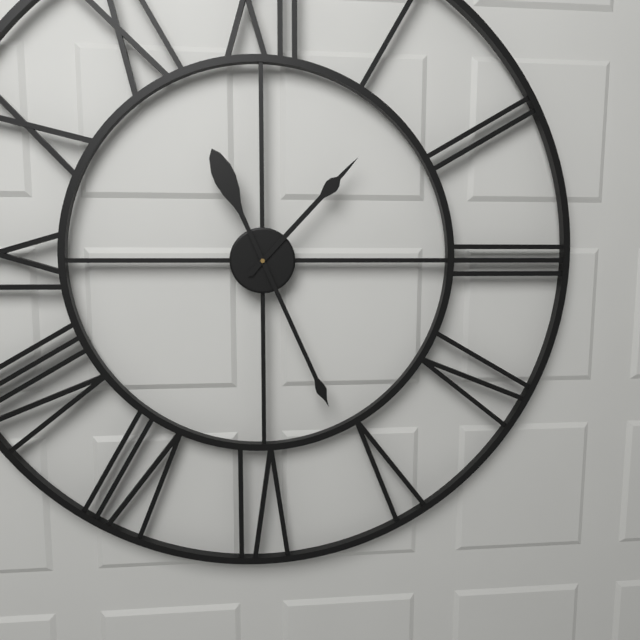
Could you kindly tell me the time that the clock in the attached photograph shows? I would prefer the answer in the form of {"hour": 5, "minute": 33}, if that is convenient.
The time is {"hour": 1, "minute": 26}
